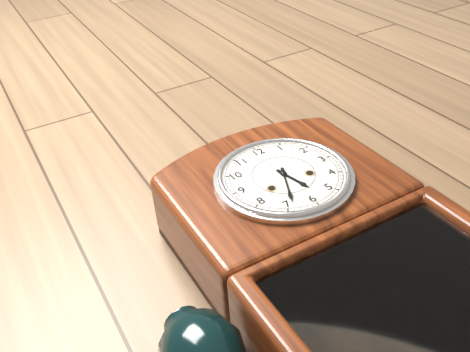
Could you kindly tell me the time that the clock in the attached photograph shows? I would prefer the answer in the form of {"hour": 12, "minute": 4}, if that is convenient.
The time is {"hour": 5, "minute": 34}
